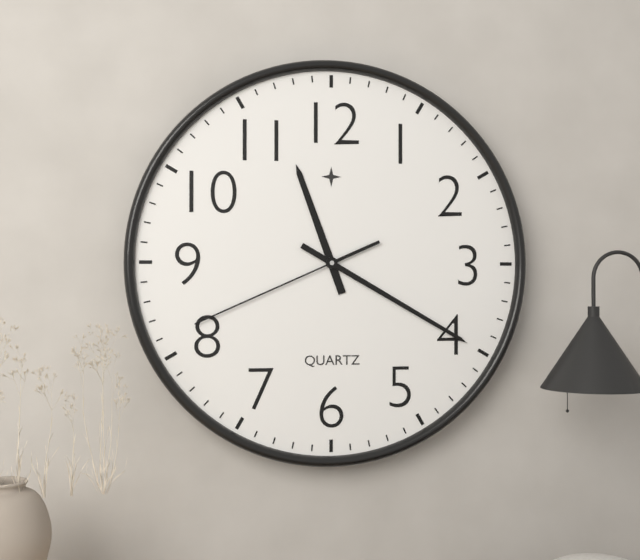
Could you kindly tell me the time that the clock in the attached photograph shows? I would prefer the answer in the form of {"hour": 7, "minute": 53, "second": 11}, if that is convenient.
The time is {"hour": 11, "minute": 20, "second": 41}
